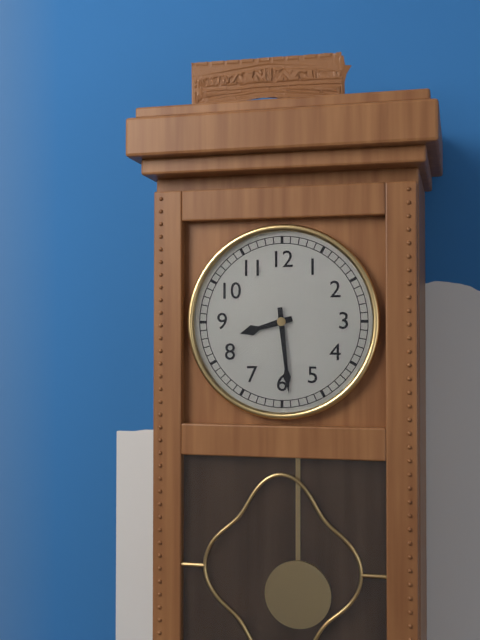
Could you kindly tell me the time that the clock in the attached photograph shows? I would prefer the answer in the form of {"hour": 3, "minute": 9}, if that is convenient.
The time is {"hour": 8, "minute": 29}
